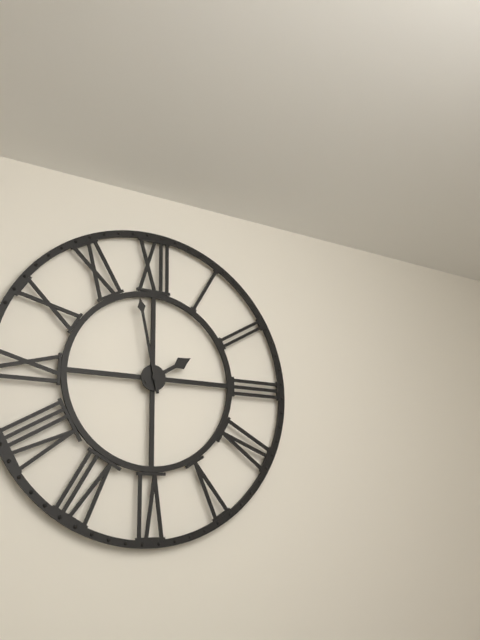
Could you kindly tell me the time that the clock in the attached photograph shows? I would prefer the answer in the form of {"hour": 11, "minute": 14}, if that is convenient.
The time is {"hour": 1, "minute": 58}
